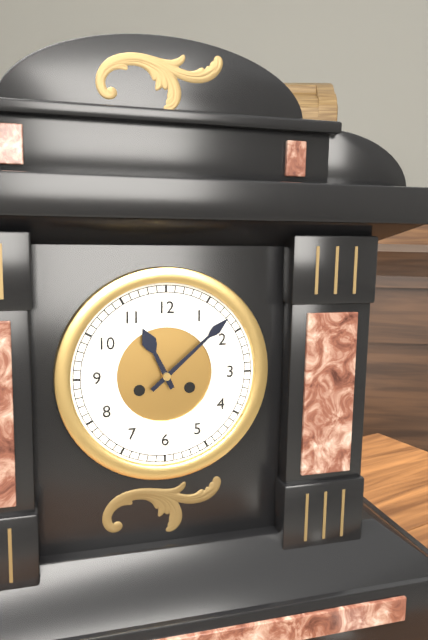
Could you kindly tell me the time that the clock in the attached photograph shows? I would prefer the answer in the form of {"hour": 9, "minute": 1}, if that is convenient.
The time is {"hour": 11, "minute": 8}
